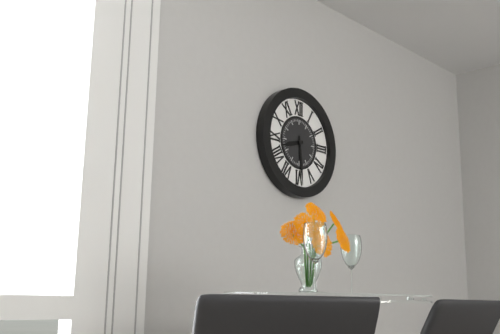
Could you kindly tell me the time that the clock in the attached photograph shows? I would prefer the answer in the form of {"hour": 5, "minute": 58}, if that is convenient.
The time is {"hour": 8, "minute": 29}
